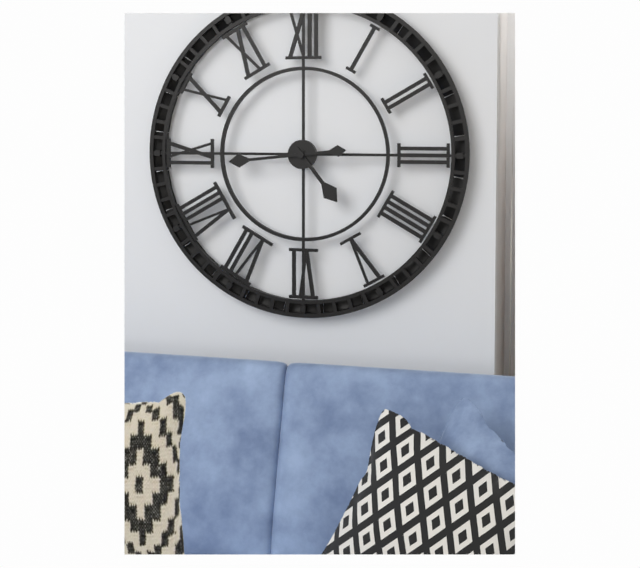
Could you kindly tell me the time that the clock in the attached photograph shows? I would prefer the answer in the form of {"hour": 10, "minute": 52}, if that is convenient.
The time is {"hour": 4, "minute": 44}
